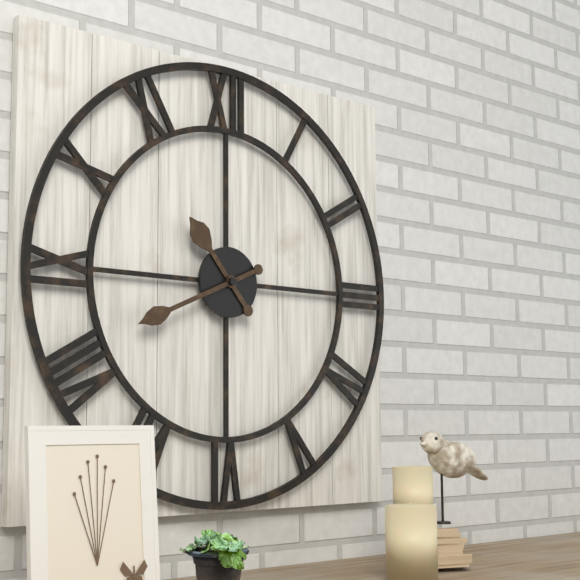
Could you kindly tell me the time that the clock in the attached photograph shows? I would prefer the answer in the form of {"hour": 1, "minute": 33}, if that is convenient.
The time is {"hour": 10, "minute": 41}
